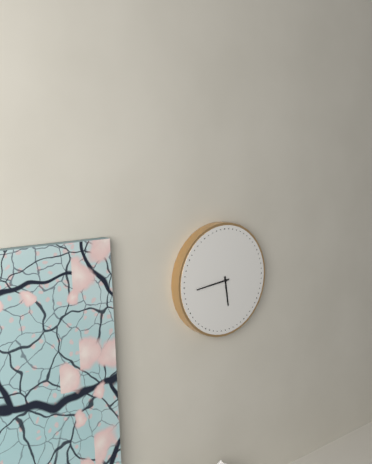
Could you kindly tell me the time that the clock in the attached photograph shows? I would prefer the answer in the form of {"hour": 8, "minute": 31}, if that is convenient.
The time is {"hour": 5, "minute": 44}
